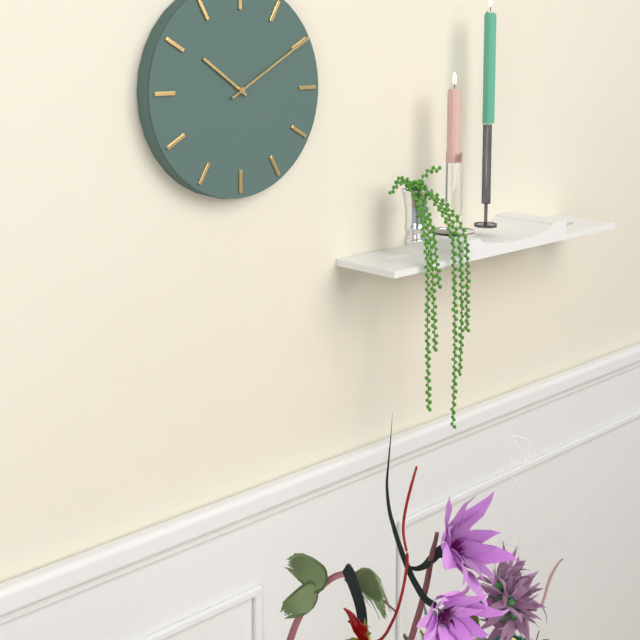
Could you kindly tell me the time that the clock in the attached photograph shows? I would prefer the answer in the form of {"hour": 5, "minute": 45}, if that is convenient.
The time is {"hour": 10, "minute": 10}
